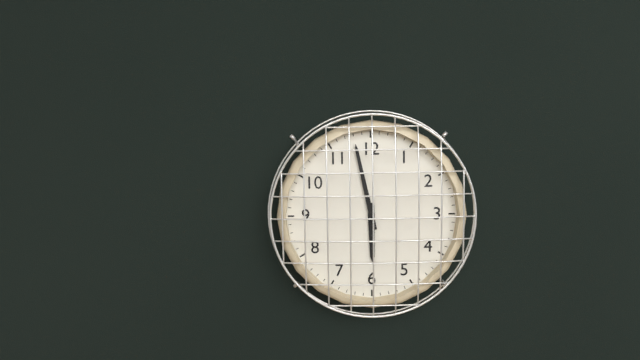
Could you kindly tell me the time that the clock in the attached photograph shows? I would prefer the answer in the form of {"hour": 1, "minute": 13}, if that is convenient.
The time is {"hour": 5, "minute": 58}
